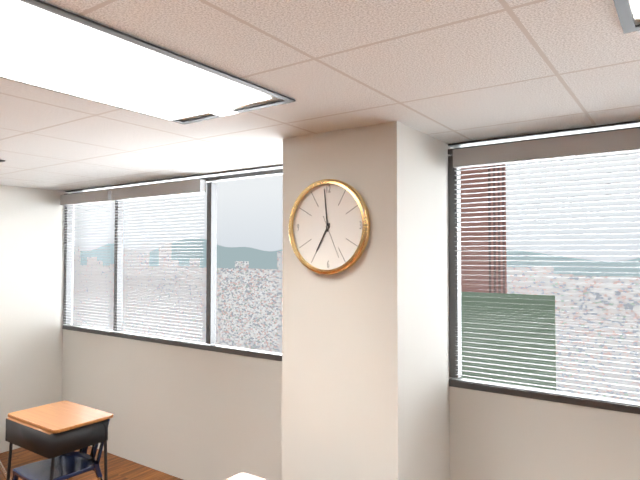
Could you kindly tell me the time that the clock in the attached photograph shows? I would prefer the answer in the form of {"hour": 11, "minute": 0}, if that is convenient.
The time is {"hour": 6, "minute": 59}
